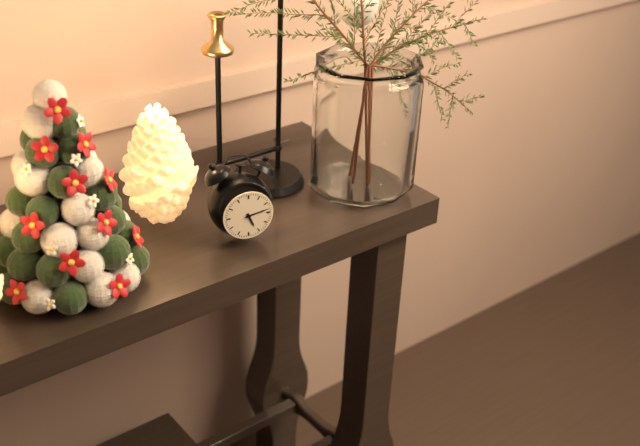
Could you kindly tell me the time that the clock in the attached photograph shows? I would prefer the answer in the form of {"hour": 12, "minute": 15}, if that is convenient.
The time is {"hour": 5, "minute": 13}
